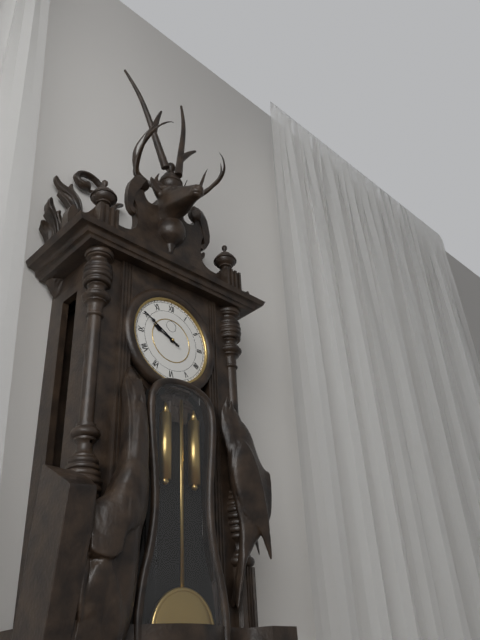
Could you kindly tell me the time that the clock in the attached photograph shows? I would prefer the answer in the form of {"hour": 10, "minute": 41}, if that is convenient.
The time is {"hour": 9, "minute": 50}
